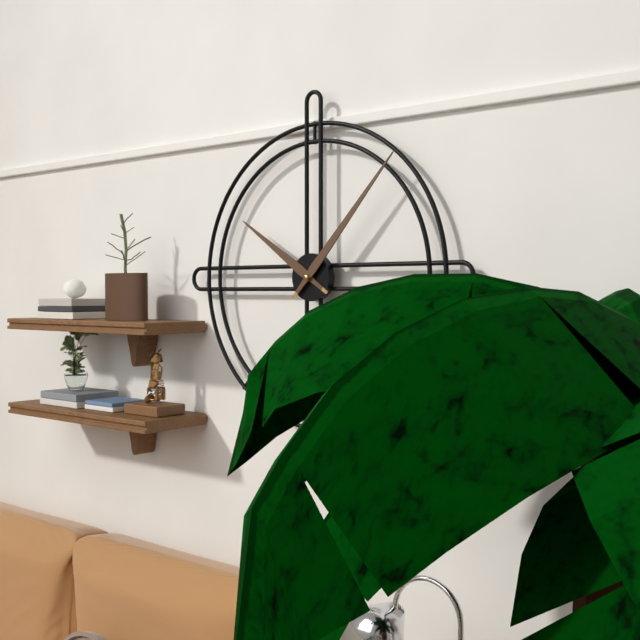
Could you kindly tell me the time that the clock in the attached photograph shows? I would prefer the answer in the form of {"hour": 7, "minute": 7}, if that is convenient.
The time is {"hour": 10, "minute": 7}
